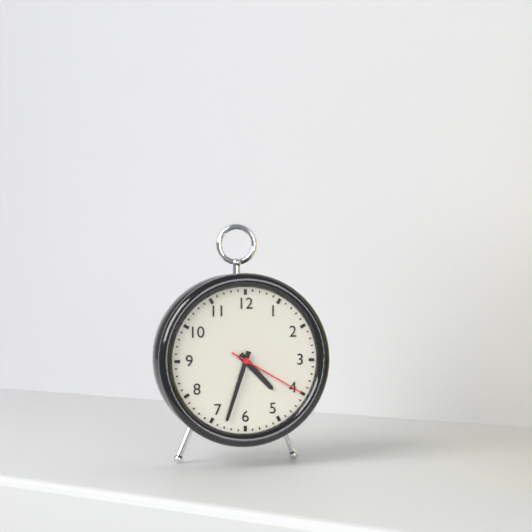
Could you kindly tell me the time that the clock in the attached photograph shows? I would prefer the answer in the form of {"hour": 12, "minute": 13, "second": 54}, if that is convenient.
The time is {"hour": 4, "minute": 33, "second": 20}
